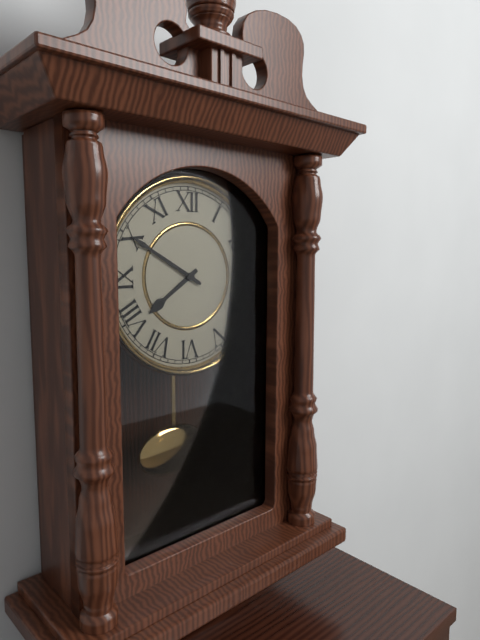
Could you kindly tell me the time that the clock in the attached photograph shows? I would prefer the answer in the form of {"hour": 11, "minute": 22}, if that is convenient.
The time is {"hour": 7, "minute": 50}
